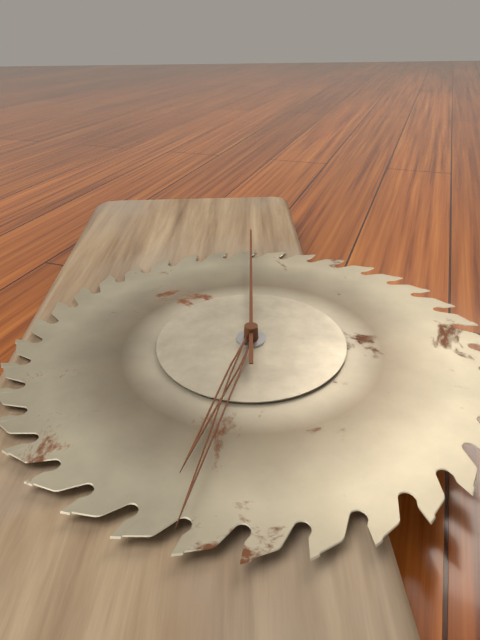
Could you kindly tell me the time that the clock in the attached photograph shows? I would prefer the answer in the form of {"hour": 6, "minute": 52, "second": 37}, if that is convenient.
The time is {"hour": 6, "minute": 32, "second": 0}
